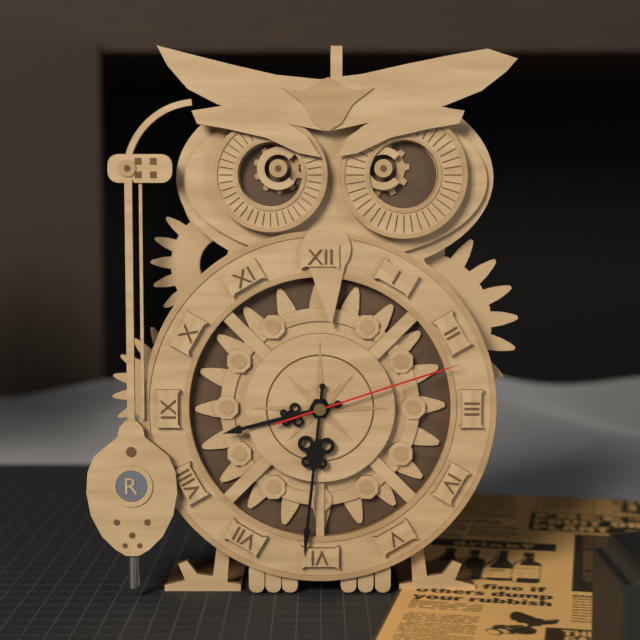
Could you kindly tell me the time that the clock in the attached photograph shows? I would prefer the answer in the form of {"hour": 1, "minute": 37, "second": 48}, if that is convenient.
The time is {"hour": 8, "minute": 31, "second": 12}
